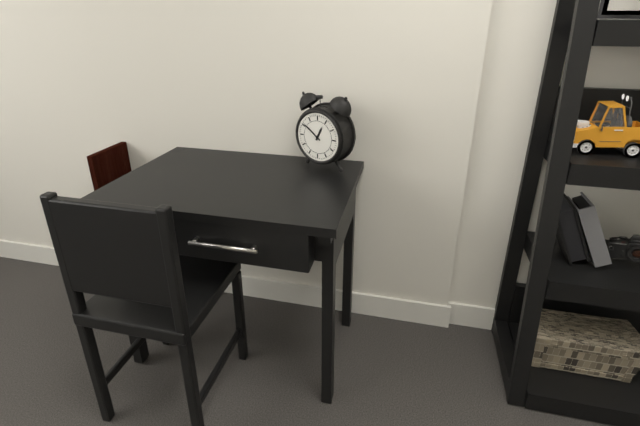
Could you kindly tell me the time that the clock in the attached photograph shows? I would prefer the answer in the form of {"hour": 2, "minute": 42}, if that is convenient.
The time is {"hour": 12, "minute": 51}
